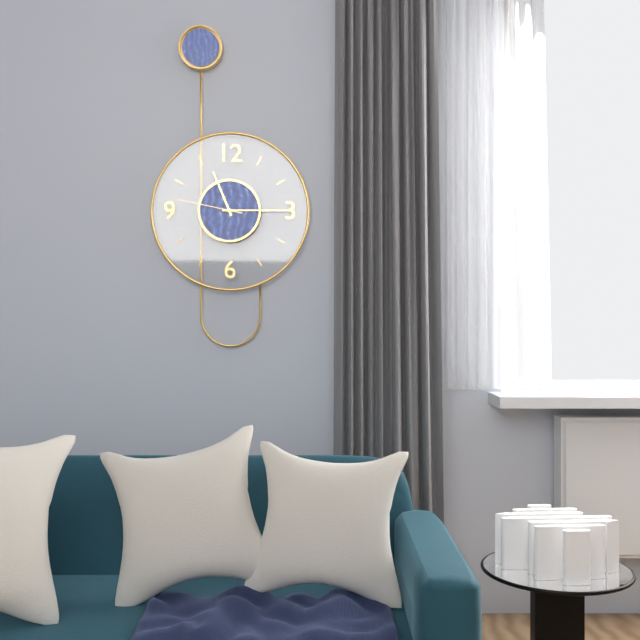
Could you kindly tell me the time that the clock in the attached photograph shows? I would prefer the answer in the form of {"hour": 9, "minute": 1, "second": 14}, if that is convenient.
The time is {"hour": 11, "minute": 15, "second": 47}
